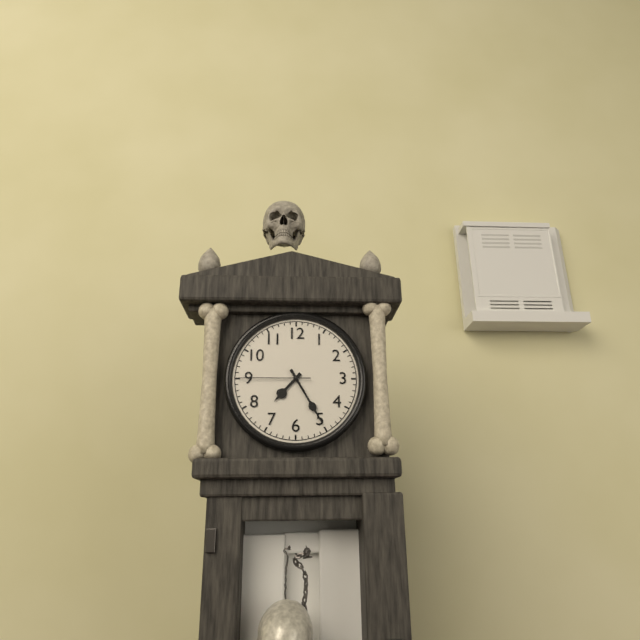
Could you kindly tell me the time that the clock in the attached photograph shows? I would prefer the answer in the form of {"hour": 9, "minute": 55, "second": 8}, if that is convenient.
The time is {"hour": 7, "minute": 25, "second": 45}
